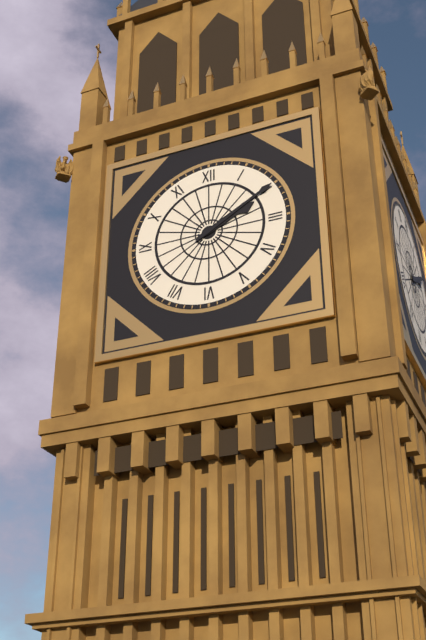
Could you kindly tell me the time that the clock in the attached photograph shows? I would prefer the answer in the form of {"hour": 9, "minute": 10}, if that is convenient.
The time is {"hour": 2, "minute": 10}
